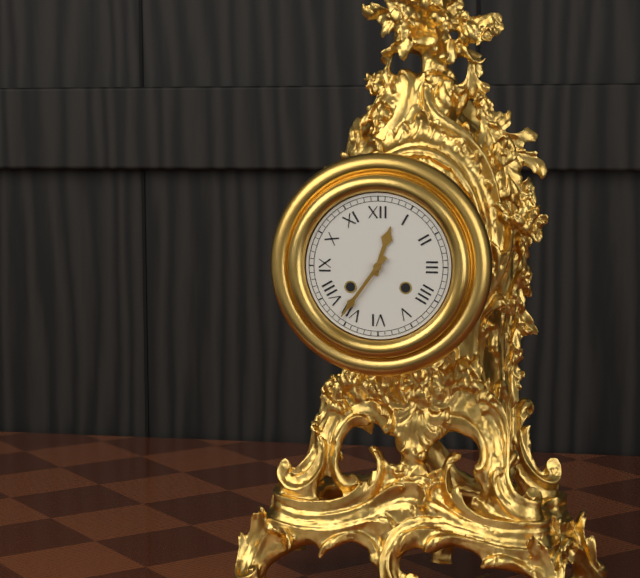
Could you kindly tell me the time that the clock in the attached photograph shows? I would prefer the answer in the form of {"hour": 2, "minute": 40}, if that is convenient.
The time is {"hour": 12, "minute": 36}
